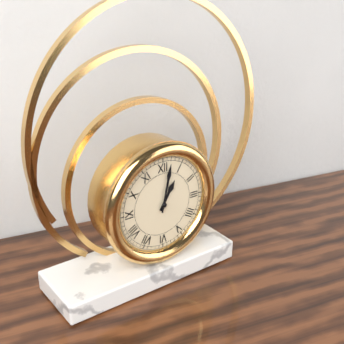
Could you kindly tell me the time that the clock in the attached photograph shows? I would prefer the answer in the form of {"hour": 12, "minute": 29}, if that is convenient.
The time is {"hour": 1, "minute": 2}
